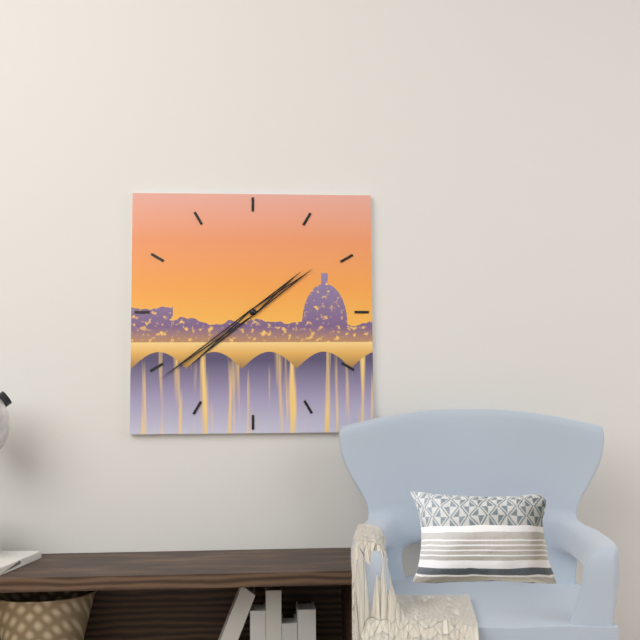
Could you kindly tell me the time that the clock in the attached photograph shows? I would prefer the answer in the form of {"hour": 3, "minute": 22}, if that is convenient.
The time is {"hour": 7, "minute": 39}
